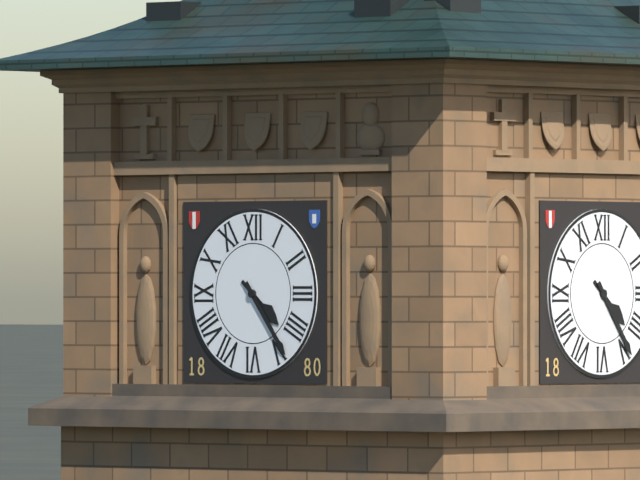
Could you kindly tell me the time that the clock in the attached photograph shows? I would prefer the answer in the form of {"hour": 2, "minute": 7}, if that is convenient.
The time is {"hour": 4, "minute": 24}
